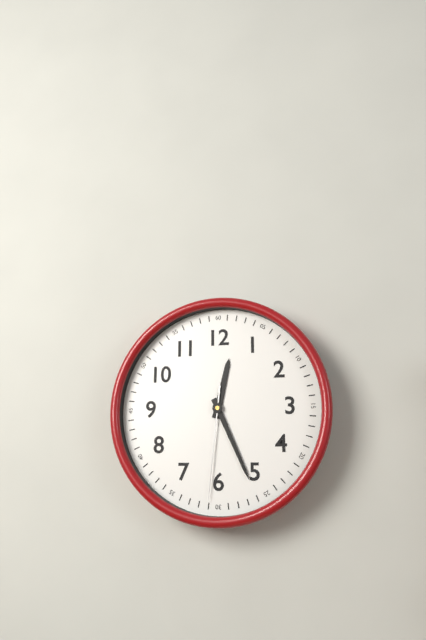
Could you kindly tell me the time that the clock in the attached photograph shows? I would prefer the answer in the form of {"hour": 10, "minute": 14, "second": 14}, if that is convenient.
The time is {"hour": 12, "minute": 26, "second": 31}
